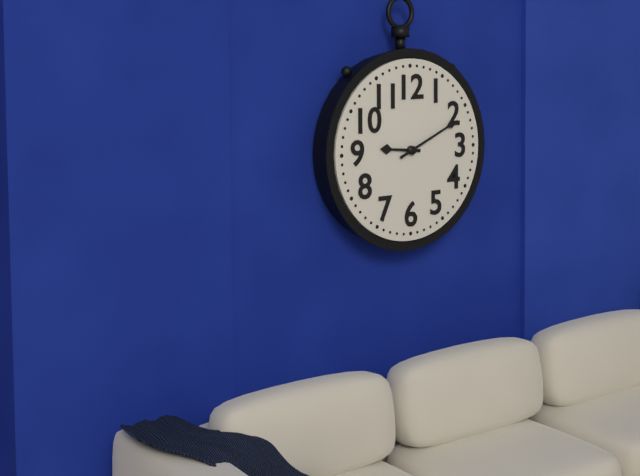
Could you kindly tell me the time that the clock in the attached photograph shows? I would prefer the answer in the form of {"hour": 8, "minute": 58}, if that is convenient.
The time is {"hour": 9, "minute": 11}
